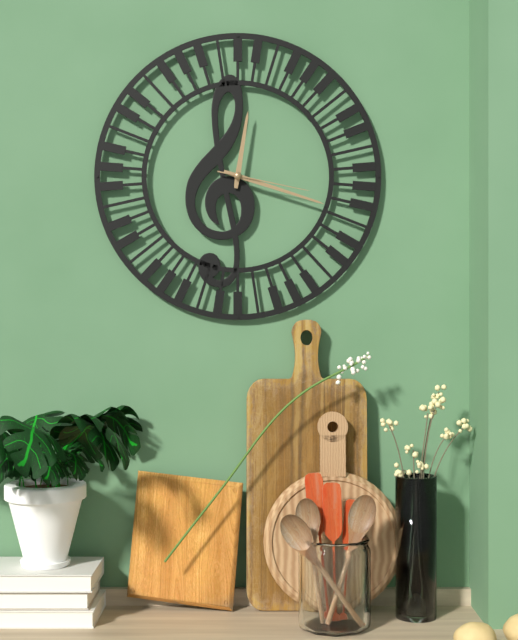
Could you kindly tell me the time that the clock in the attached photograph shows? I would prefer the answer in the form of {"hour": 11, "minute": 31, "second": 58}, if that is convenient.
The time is {"hour": 12, "minute": 18, "second": 17}
